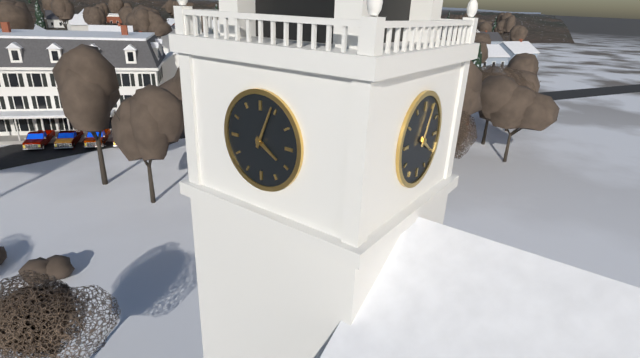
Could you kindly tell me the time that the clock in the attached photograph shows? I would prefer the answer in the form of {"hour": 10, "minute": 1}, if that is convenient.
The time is {"hour": 4, "minute": 4}
